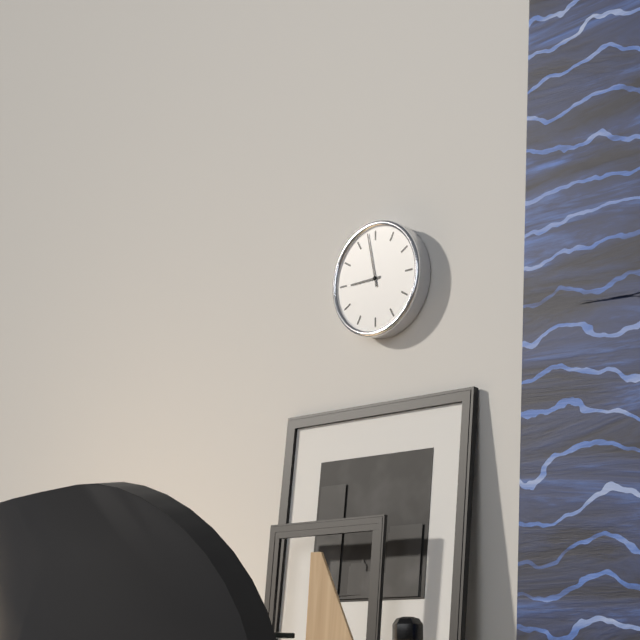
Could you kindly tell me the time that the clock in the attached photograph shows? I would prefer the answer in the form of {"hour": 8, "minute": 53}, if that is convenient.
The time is {"hour": 8, "minute": 58}
